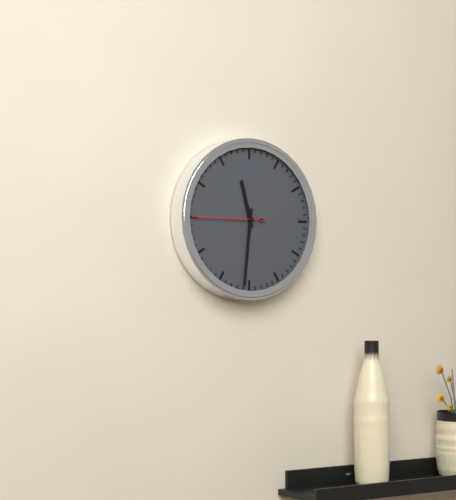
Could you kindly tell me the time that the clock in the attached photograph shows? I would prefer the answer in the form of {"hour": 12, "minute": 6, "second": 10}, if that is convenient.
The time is {"hour": 11, "minute": 31, "second": 45}
